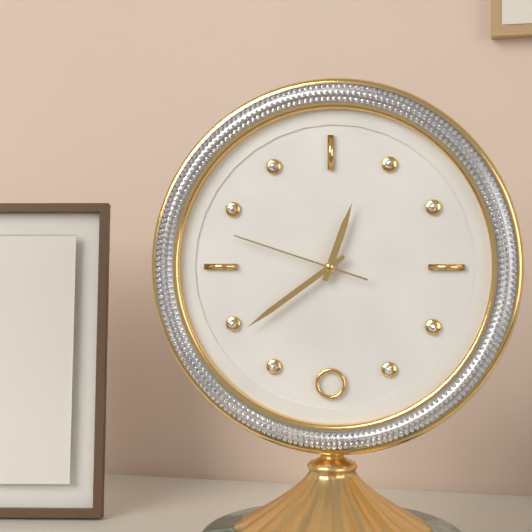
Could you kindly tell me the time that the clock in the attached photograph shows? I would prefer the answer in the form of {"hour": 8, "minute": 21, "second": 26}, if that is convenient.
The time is {"hour": 12, "minute": 39, "second": 48}
